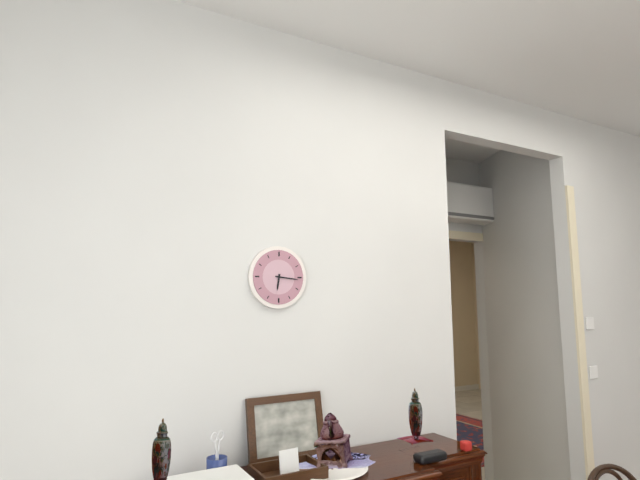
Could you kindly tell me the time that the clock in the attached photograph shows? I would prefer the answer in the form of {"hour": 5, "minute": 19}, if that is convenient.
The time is {"hour": 6, "minute": 16}
